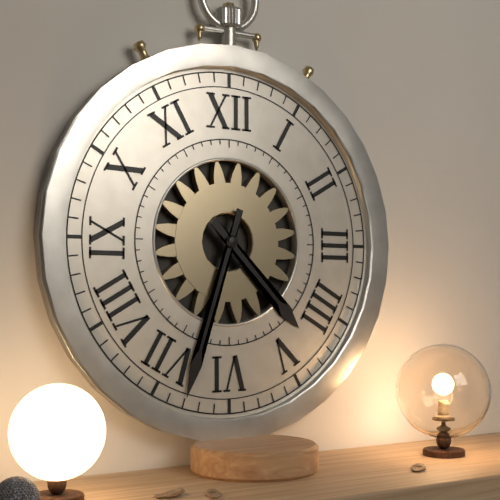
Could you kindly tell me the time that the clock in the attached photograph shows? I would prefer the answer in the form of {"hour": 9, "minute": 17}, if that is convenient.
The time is {"hour": 4, "minute": 33}
